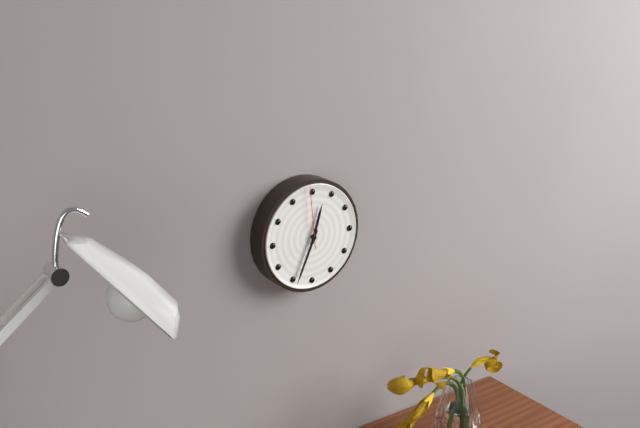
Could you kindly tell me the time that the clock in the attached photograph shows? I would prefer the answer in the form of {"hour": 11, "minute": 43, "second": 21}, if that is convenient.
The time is {"hour": 12, "minute": 34, "second": 59}
